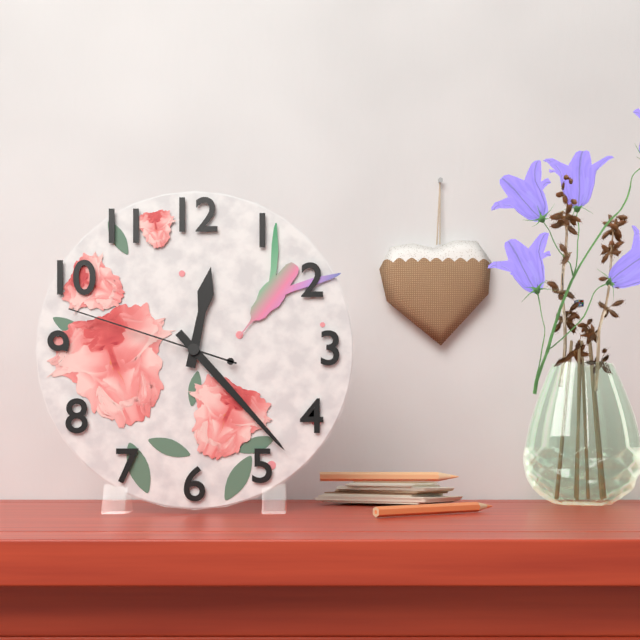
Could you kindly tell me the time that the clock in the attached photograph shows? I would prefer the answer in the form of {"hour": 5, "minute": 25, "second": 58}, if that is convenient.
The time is {"hour": 12, "minute": 23, "second": 48}
